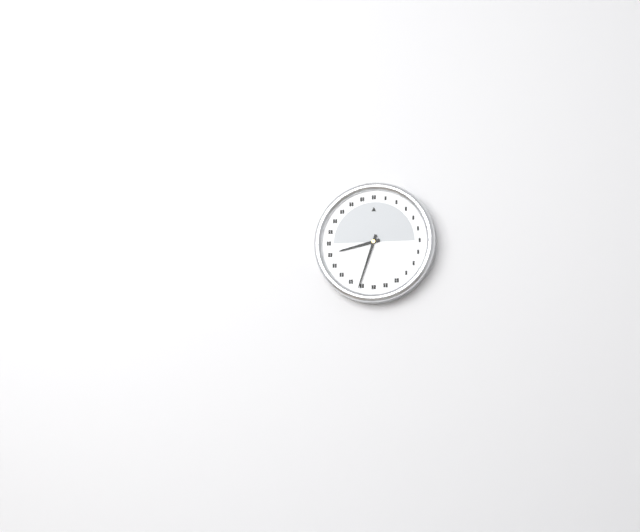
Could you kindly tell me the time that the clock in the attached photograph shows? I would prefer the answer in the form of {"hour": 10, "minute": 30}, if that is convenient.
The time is {"hour": 8, "minute": 33}
